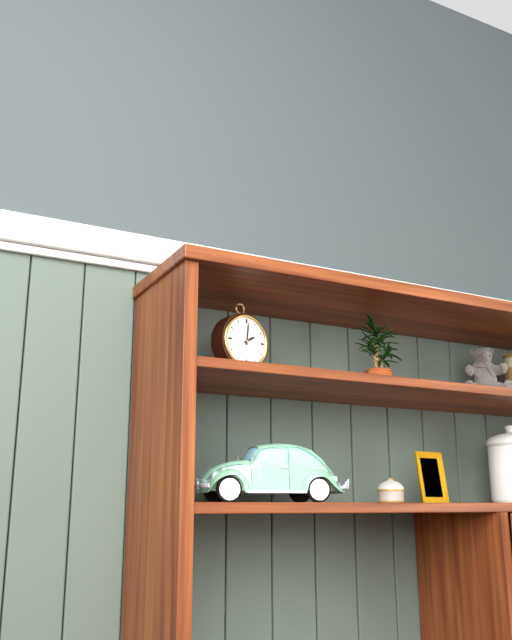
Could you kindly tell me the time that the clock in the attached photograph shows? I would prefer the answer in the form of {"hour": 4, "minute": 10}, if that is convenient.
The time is {"hour": 2, "minute": 1}
